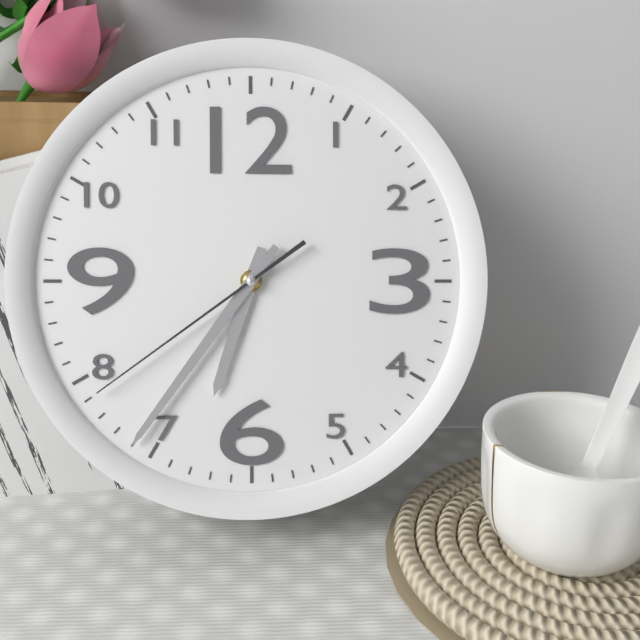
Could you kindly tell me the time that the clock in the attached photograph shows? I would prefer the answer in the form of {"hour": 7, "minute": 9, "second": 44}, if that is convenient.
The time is {"hour": 6, "minute": 36, "second": 39}
